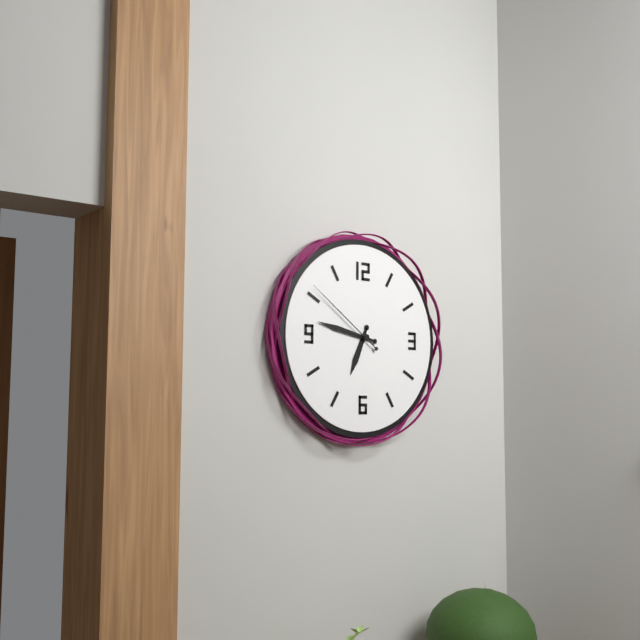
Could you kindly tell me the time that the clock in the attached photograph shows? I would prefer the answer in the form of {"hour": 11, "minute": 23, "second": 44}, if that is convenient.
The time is {"hour": 6, "minute": 47, "second": 51}
